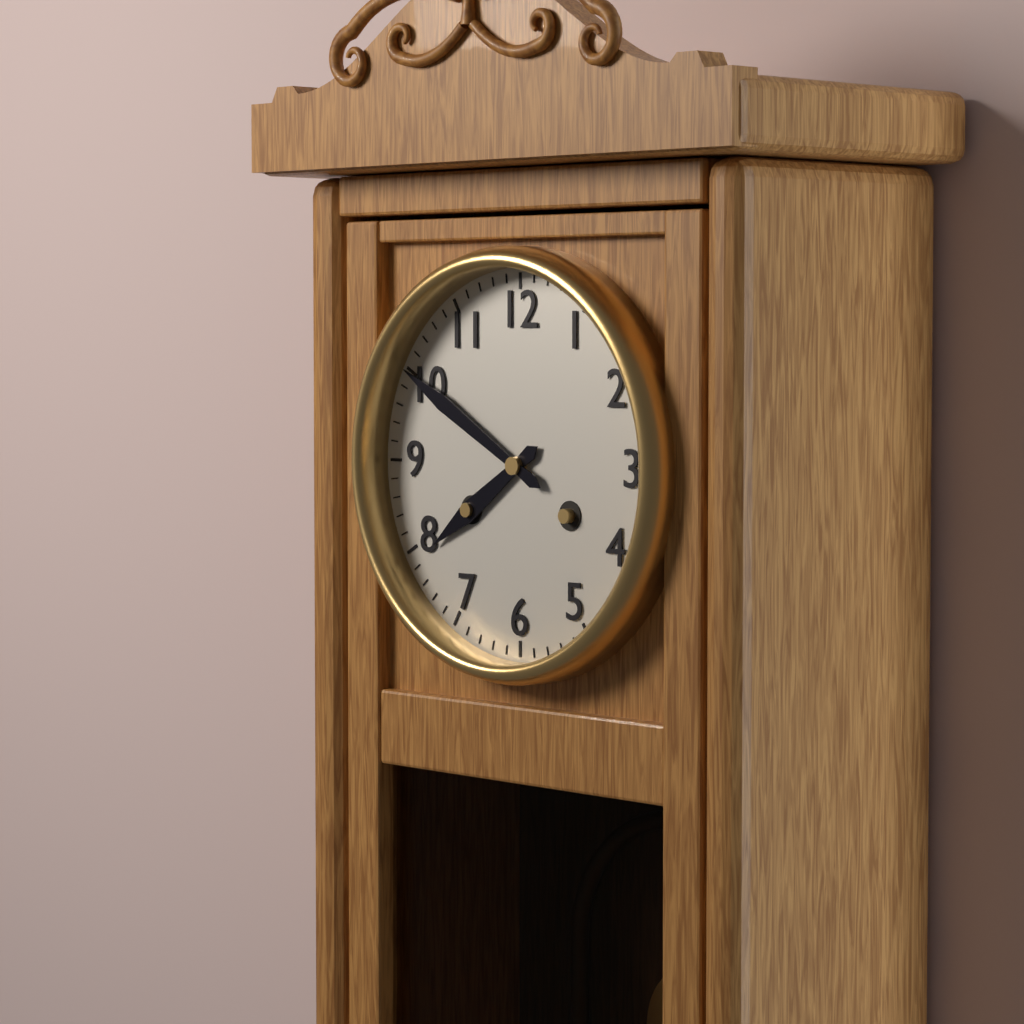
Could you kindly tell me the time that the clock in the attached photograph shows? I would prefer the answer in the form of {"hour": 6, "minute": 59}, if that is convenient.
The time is {"hour": 7, "minute": 50}
